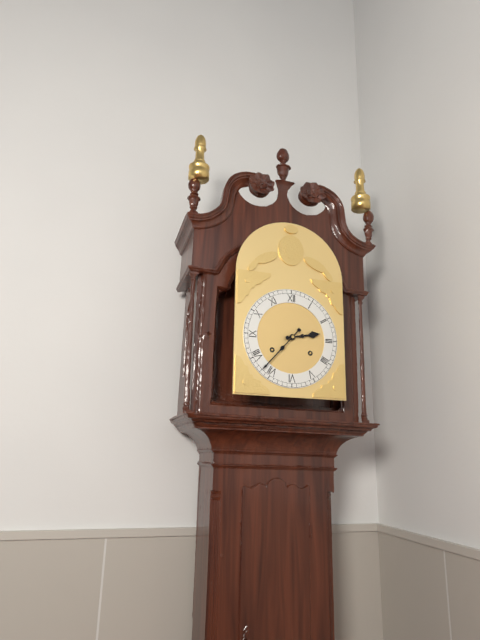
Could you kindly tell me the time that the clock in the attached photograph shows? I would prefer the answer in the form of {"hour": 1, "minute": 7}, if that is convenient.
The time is {"hour": 2, "minute": 37}
